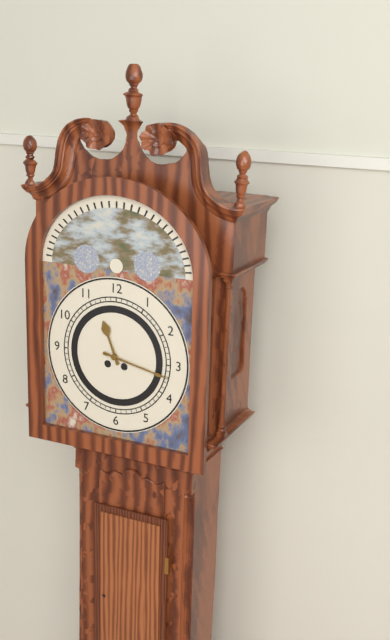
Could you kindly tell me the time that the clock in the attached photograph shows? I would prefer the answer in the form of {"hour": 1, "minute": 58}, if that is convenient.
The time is {"hour": 11, "minute": 17}
